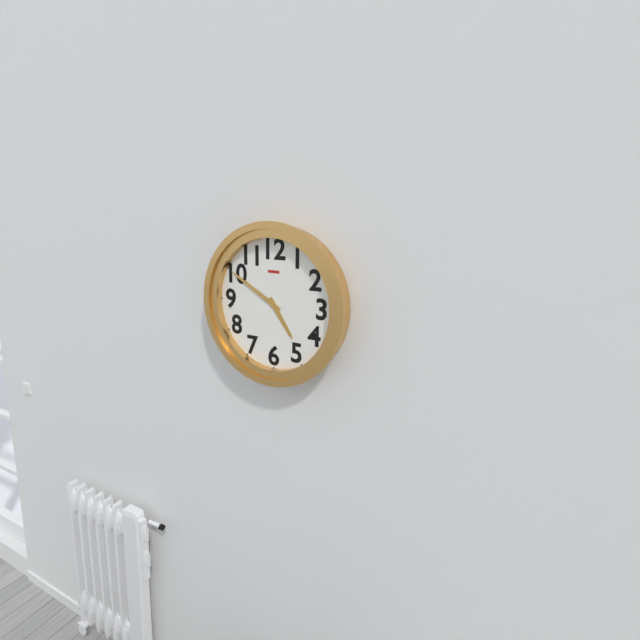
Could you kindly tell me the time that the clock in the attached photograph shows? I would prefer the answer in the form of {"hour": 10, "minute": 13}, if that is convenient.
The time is {"hour": 4, "minute": 50}
